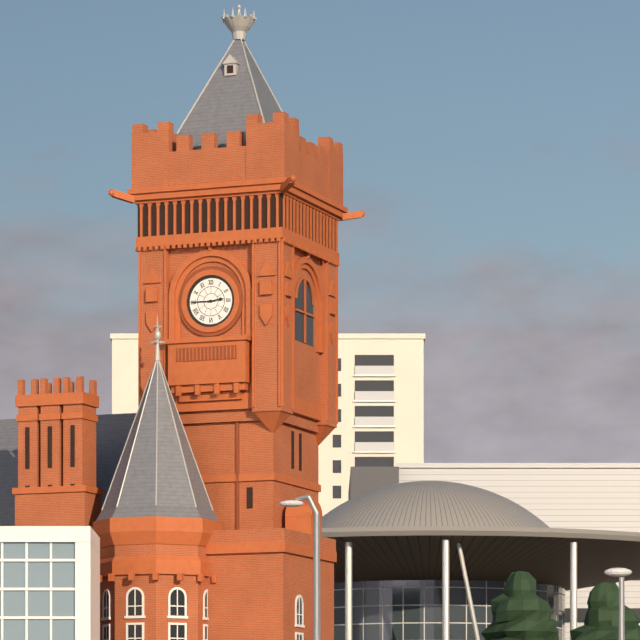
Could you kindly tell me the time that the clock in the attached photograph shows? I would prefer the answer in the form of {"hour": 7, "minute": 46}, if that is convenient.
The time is {"hour": 2, "minute": 45}
